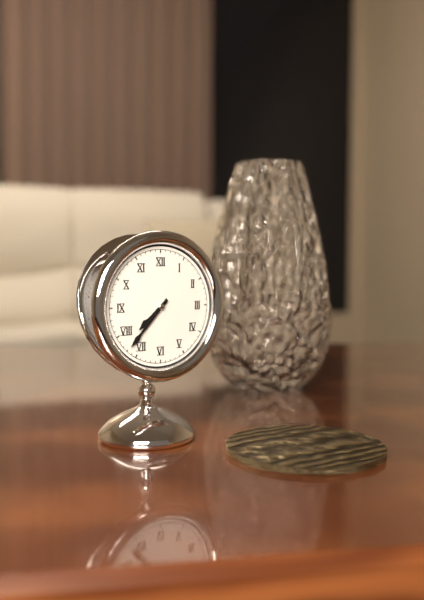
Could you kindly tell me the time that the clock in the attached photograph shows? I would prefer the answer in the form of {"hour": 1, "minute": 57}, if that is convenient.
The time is {"hour": 7, "minute": 37}
